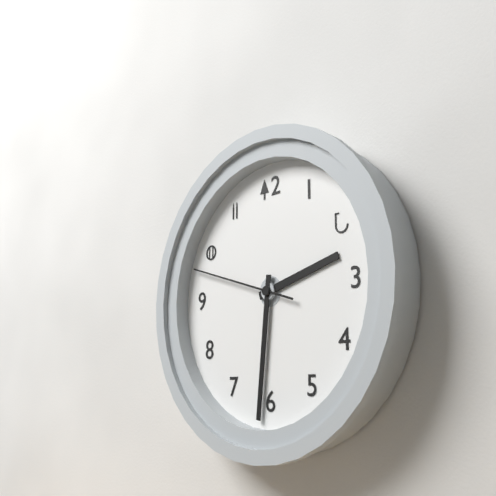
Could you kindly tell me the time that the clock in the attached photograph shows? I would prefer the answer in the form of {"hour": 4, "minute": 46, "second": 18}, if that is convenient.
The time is {"hour": 2, "minute": 31, "second": 48}
